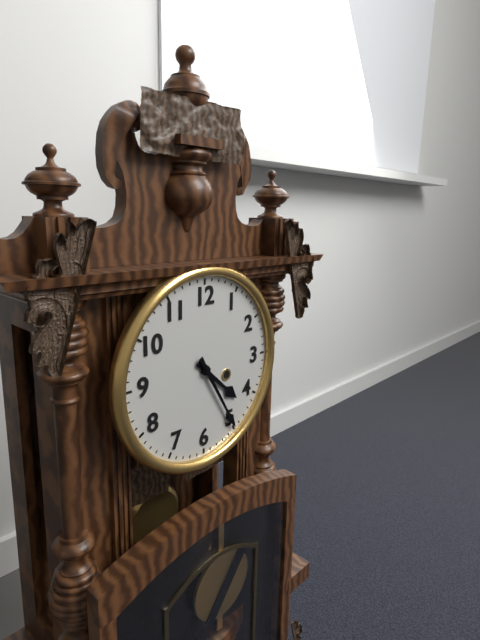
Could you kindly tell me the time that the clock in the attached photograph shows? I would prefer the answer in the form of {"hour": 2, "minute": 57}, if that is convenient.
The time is {"hour": 4, "minute": 25}
